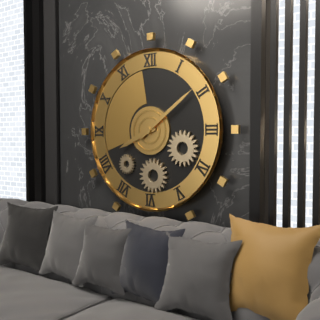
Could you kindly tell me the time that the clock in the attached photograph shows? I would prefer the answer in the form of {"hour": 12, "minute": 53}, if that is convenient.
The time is {"hour": 8, "minute": 9}
